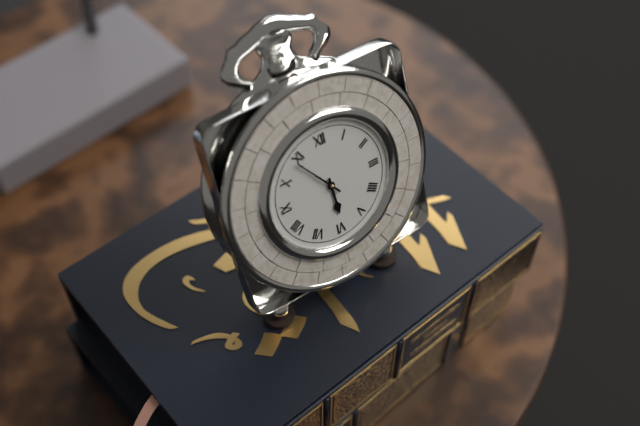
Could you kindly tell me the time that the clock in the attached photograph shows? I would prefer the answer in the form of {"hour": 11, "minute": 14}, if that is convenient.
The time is {"hour": 5, "minute": 54}
